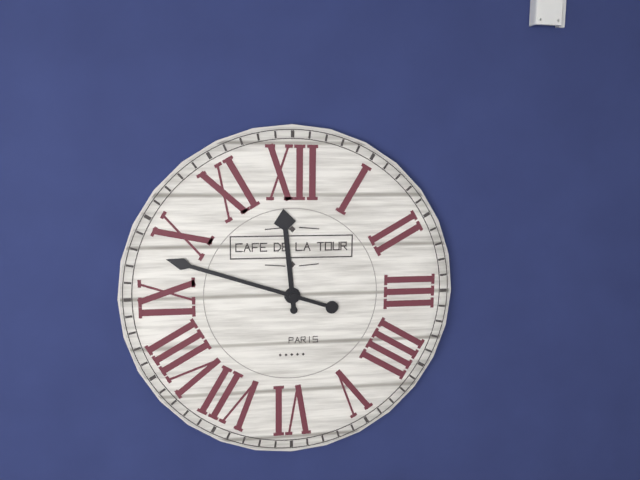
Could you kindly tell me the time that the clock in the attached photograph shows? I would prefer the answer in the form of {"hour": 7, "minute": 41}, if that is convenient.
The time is {"hour": 11, "minute": 48}
